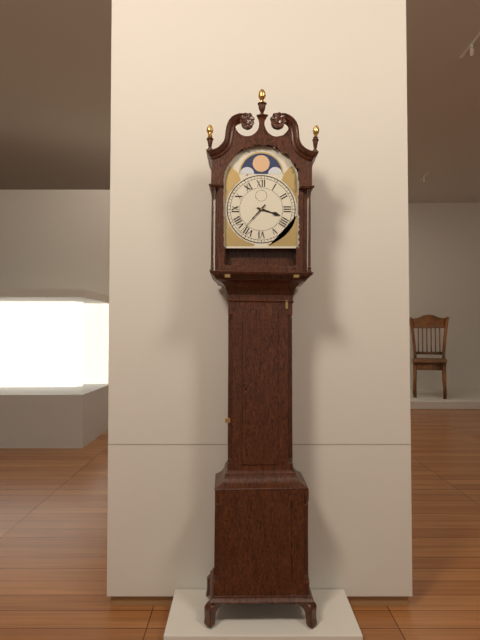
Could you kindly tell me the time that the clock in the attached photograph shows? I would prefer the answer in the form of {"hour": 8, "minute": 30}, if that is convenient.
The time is {"hour": 3, "minute": 37}
